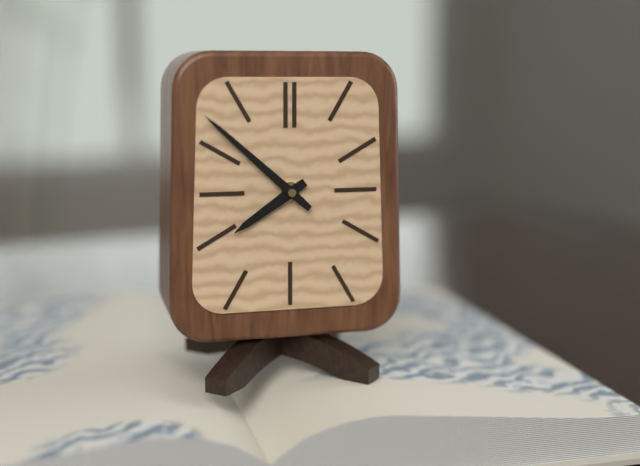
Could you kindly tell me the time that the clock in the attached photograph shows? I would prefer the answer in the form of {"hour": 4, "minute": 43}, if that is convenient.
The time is {"hour": 7, "minute": 52}
